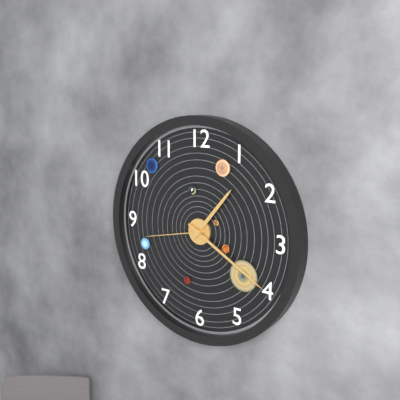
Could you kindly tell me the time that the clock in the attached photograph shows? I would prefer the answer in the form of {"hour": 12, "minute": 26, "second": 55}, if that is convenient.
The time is {"hour": 1, "minute": 20, "second": 43}
